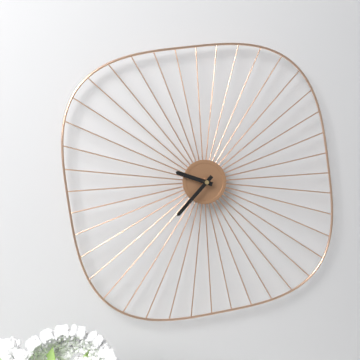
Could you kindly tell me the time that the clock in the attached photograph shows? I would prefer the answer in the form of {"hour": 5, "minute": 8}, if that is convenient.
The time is {"hour": 9, "minute": 37}
